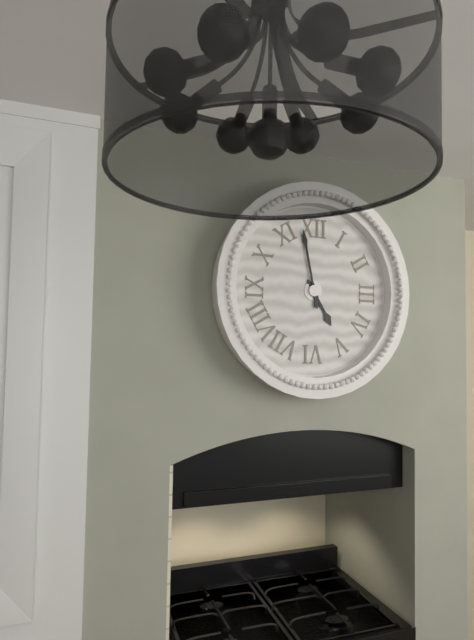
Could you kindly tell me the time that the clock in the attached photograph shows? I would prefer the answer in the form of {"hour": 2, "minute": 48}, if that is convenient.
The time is {"hour": 4, "minute": 58}
